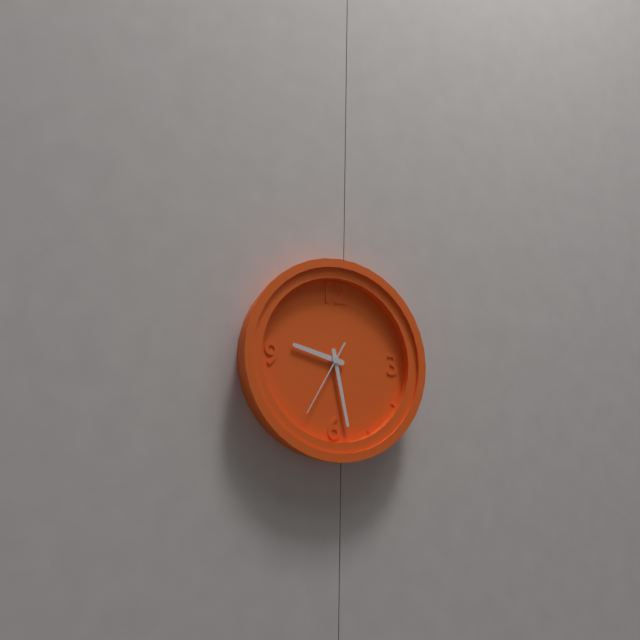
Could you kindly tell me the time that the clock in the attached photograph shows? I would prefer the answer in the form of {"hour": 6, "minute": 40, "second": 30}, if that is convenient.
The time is {"hour": 9, "minute": 28, "second": 35}
